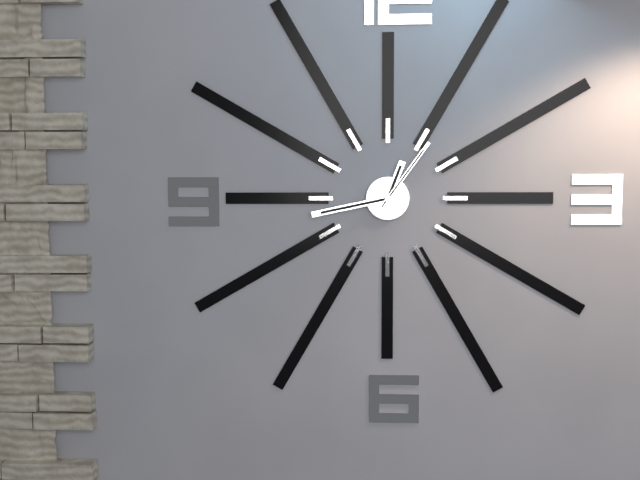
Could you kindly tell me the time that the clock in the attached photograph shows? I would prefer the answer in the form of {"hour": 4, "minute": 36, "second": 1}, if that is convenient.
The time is {"hour": 12, "minute": 43, "second": 6}
